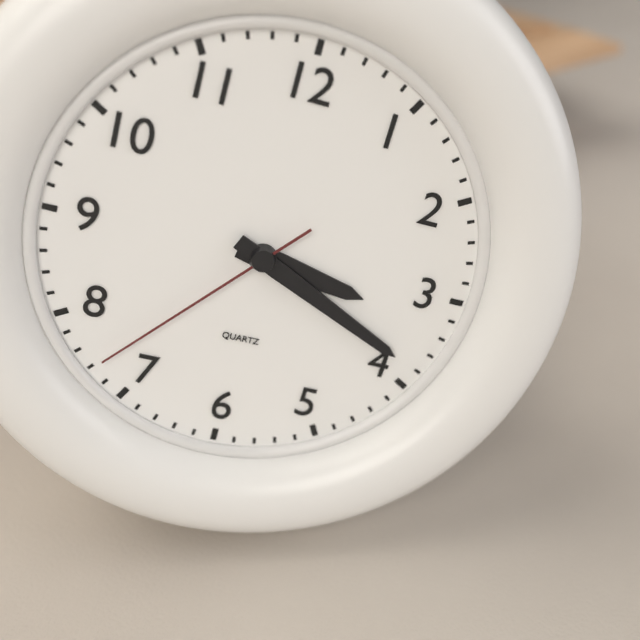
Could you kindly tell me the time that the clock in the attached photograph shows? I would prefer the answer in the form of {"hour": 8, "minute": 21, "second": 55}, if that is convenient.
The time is {"hour": 3, "minute": 19, "second": 37}
